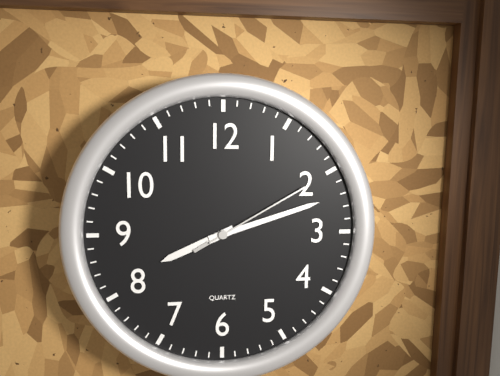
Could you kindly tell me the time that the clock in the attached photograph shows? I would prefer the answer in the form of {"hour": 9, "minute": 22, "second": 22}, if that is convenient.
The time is {"hour": 8, "minute": 12, "second": 10}
